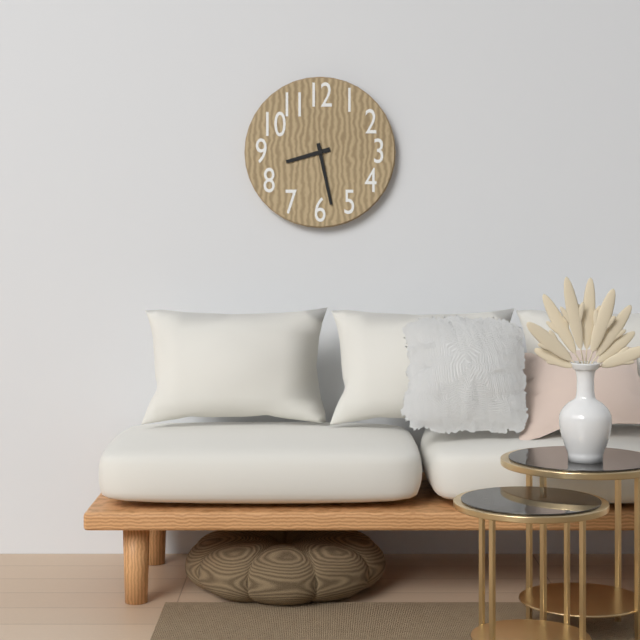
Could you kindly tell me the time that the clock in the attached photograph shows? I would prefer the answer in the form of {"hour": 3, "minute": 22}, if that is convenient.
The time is {"hour": 8, "minute": 28}
